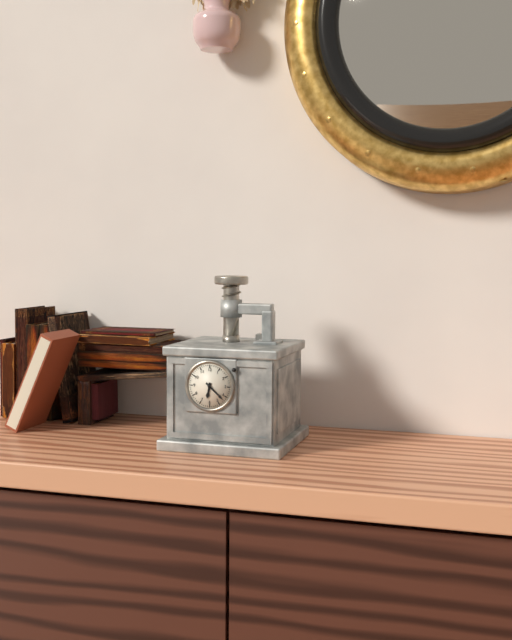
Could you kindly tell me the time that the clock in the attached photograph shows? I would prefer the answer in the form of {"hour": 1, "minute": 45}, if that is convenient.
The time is {"hour": 6, "minute": 22}
